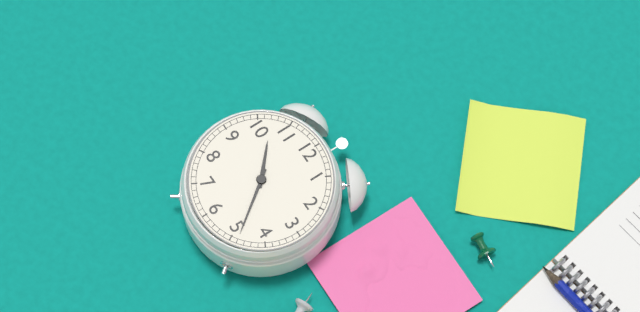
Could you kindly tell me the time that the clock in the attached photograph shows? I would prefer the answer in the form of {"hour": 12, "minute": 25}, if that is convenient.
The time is {"hour": 10, "minute": 24}
